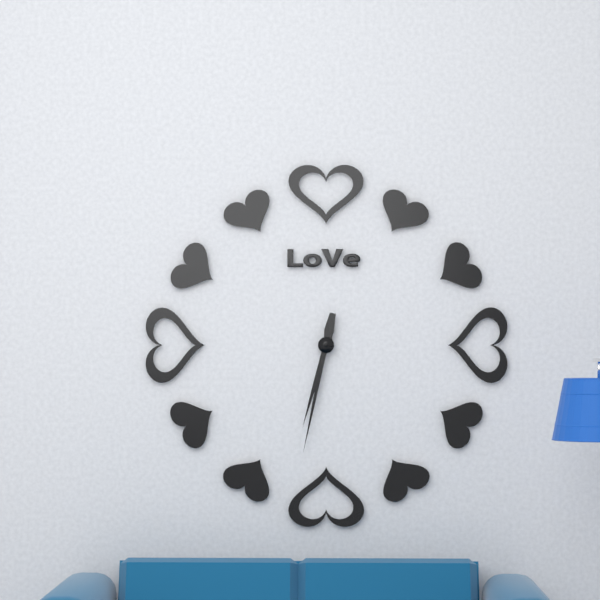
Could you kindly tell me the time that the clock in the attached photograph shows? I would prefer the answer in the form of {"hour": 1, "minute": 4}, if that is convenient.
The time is {"hour": 6, "minute": 32}
